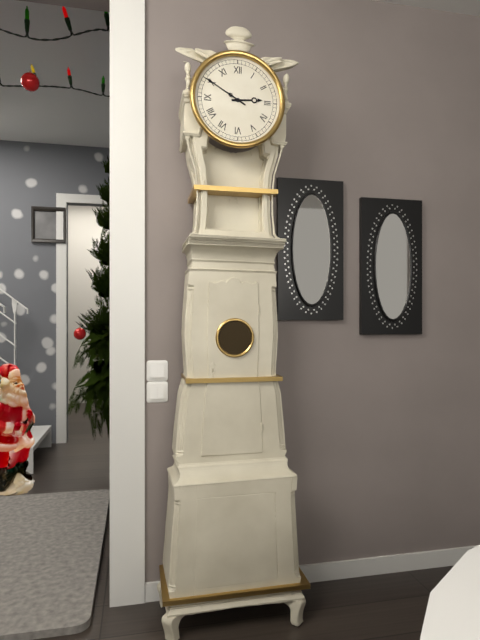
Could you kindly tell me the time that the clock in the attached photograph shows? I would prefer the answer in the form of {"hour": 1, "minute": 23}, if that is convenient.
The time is {"hour": 2, "minute": 50}
